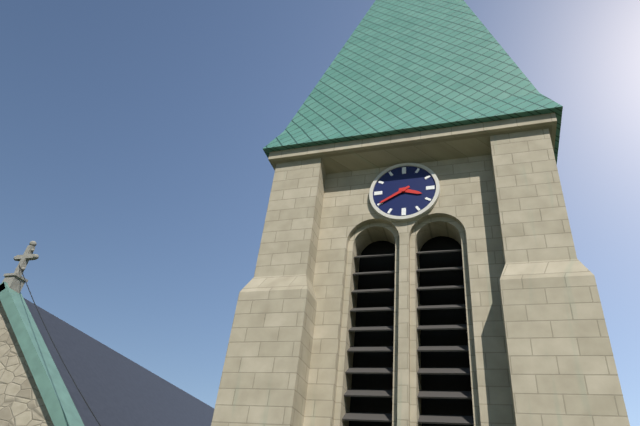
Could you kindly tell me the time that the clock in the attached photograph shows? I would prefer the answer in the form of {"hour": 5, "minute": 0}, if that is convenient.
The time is {"hour": 3, "minute": 40}
